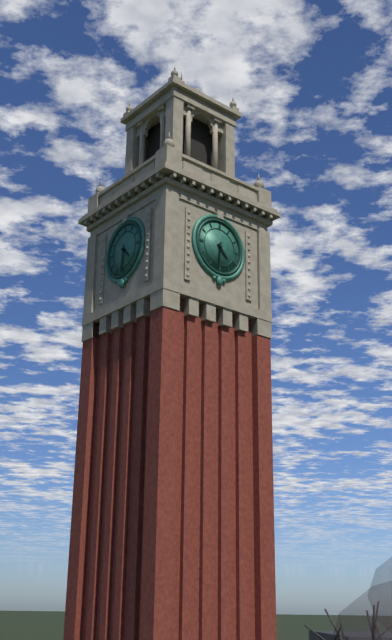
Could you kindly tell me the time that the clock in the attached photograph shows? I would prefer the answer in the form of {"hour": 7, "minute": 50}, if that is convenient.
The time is {"hour": 4, "minute": 31}
